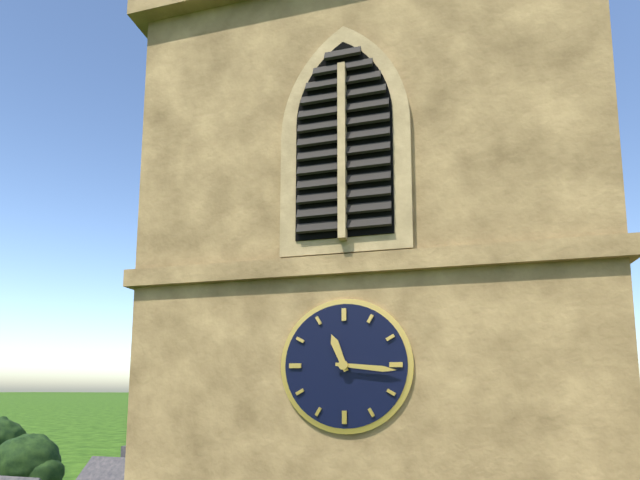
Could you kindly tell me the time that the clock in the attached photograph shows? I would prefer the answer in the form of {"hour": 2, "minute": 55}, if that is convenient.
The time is {"hour": 11, "minute": 16}
